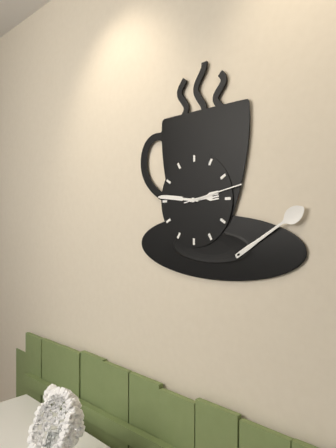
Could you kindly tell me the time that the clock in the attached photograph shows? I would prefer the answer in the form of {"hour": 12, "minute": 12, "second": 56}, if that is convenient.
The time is {"hour": 2, "minute": 46, "second": 13}
